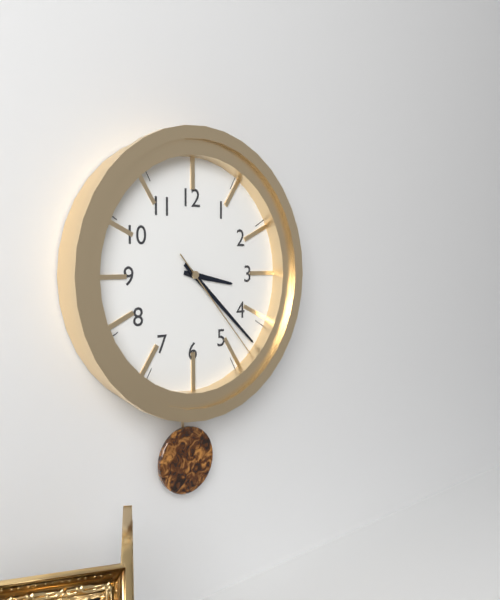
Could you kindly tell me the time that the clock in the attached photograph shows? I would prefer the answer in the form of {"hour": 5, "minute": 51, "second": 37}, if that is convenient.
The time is {"hour": 3, "minute": 22, "second": 23}
